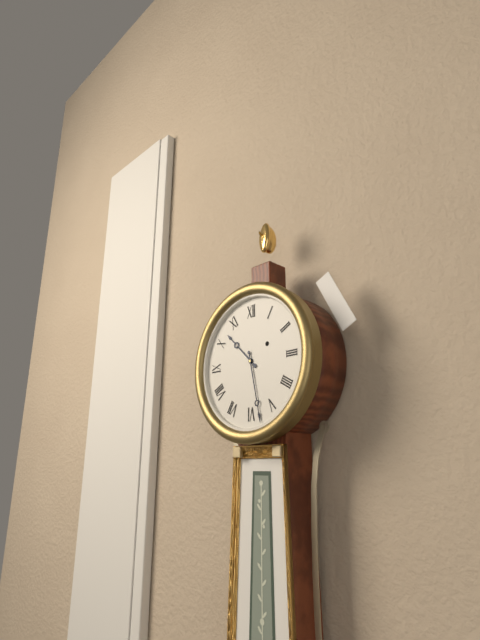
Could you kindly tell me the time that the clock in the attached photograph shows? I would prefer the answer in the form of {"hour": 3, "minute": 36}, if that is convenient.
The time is {"hour": 10, "minute": 28}
